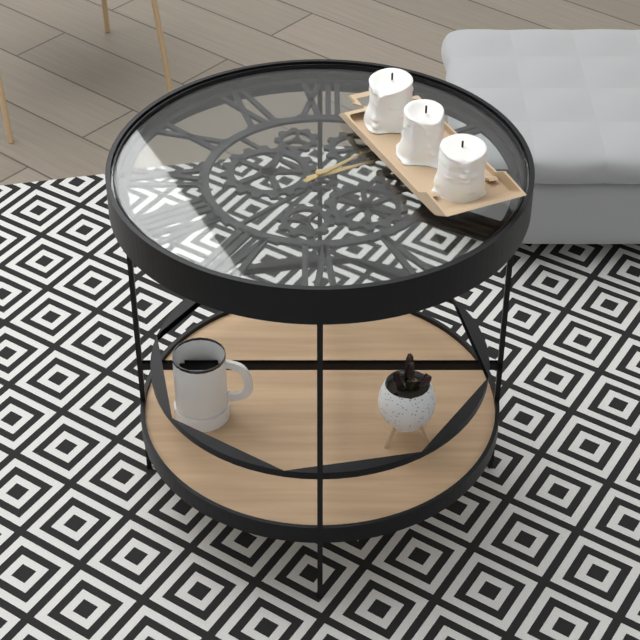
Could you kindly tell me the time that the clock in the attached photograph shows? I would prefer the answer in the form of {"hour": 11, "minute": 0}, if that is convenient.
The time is {"hour": 2, "minute": 8}
